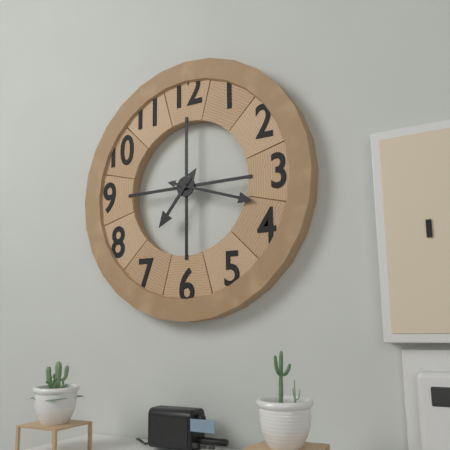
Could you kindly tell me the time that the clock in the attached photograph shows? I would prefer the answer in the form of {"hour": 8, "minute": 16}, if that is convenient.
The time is {"hour": 7, "minute": 18}
